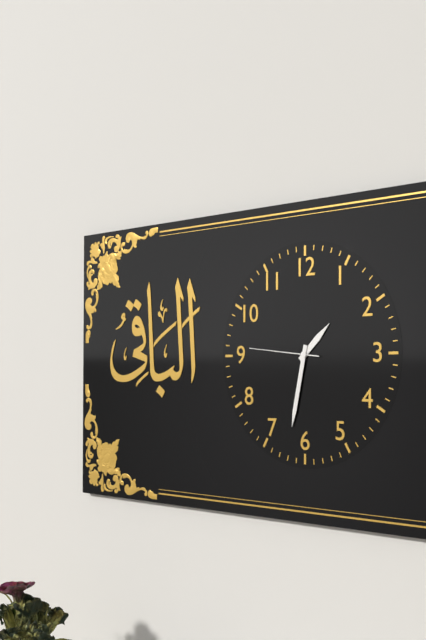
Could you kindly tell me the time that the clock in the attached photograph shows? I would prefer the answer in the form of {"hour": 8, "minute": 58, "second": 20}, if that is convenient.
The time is {"hour": 1, "minute": 32, "second": 46}
